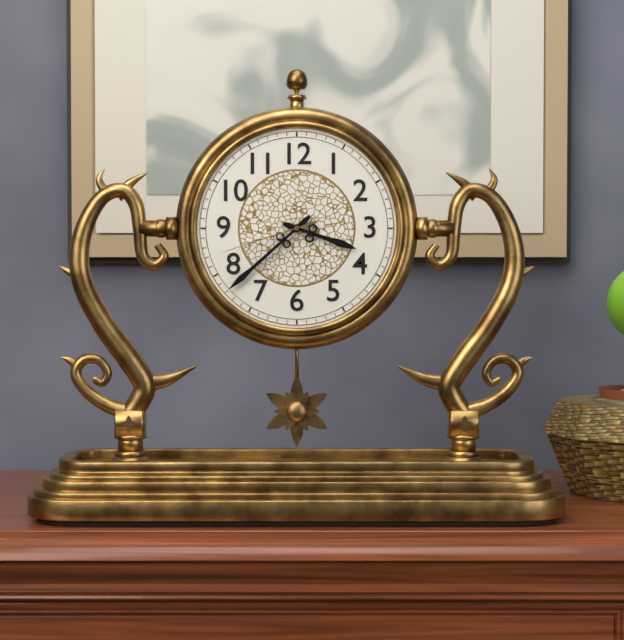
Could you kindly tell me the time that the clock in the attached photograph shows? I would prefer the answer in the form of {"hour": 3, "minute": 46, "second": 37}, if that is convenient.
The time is {"hour": 3, "minute": 38, "second": 42}
